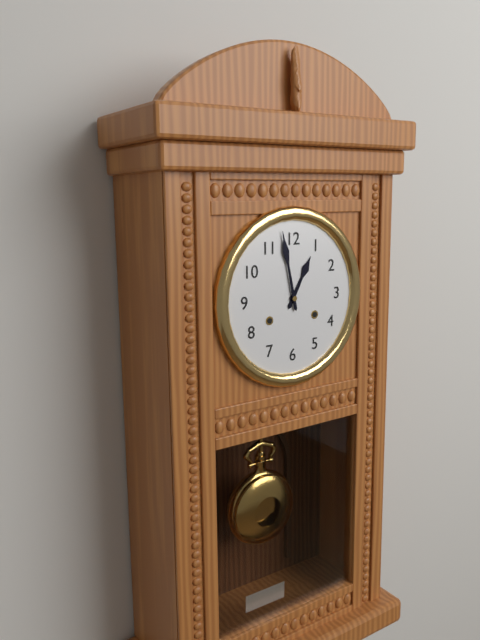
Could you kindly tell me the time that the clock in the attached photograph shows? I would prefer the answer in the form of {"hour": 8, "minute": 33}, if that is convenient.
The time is {"hour": 12, "minute": 58}
